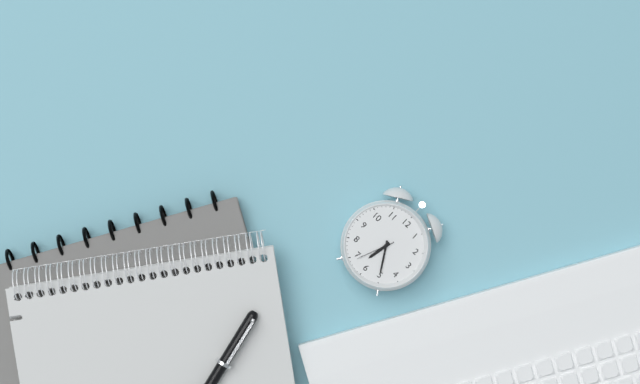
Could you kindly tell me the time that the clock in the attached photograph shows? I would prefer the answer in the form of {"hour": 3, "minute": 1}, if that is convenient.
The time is {"hour": 6, "minute": 25}
